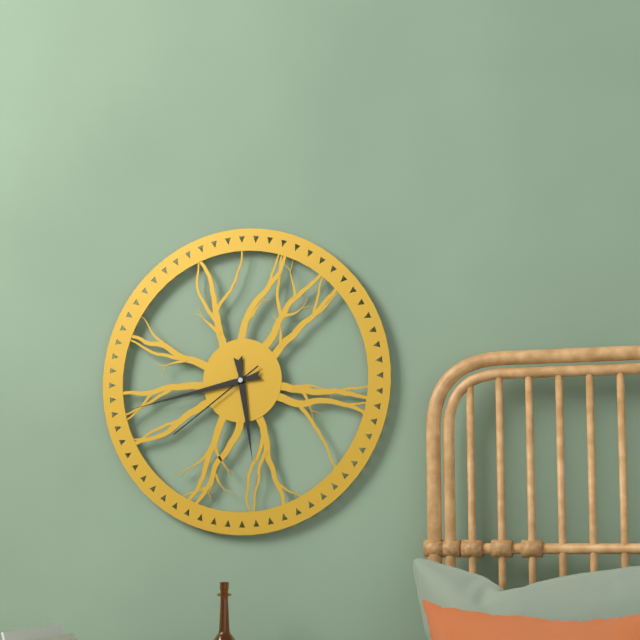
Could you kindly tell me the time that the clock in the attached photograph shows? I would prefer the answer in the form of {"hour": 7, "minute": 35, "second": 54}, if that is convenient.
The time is {"hour": 5, "minute": 43, "second": 39}
